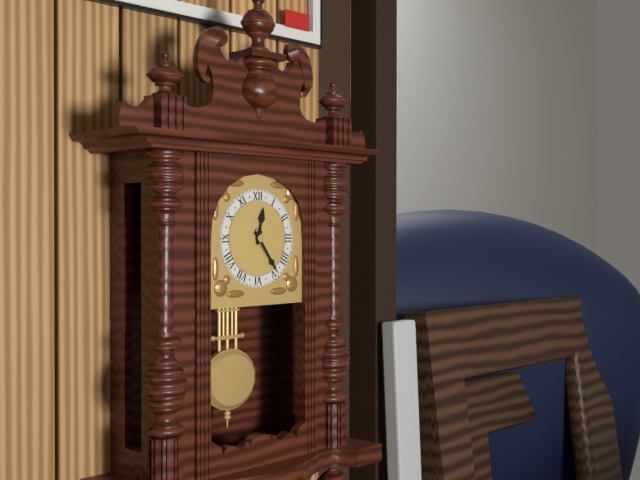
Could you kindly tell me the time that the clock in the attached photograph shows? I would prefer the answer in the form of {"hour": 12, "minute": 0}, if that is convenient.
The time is {"hour": 12, "minute": 24}
